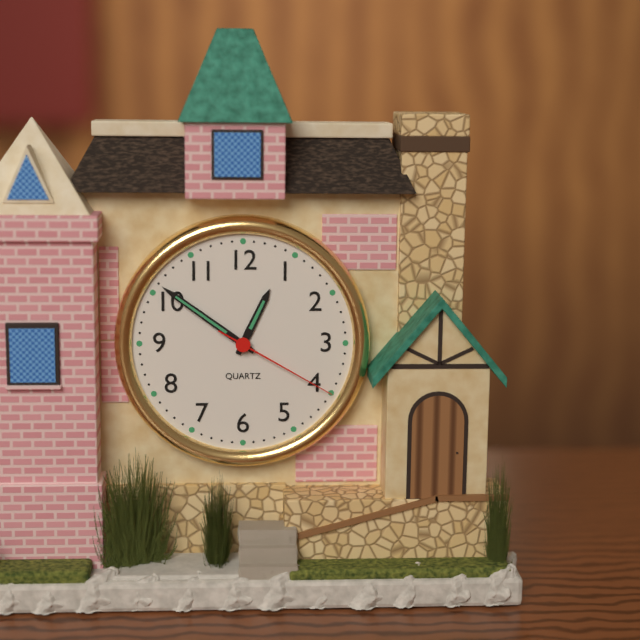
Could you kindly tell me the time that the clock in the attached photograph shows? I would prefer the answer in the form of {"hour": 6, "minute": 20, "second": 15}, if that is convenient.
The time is {"hour": 12, "minute": 51, "second": 20}
